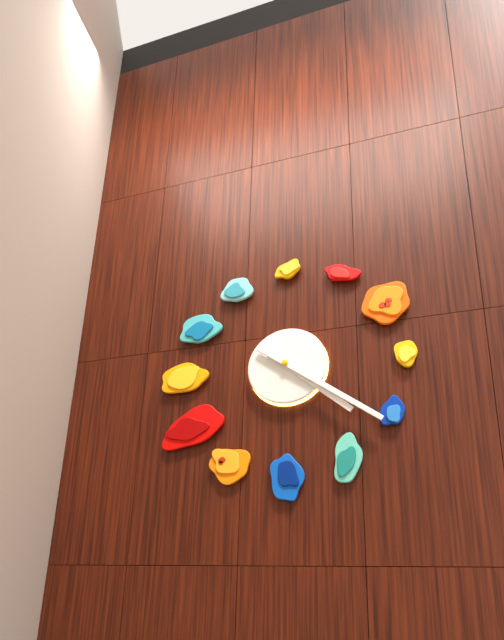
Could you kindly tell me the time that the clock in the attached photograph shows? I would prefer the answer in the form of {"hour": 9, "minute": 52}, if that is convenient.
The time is {"hour": 4, "minute": 21}
